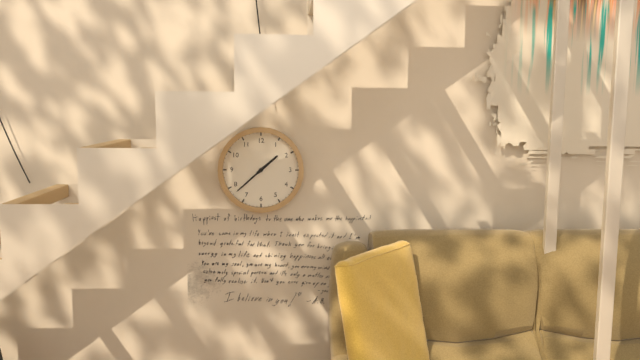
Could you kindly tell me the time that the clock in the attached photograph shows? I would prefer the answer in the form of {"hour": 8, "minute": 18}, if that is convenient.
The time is {"hour": 1, "minute": 38}
